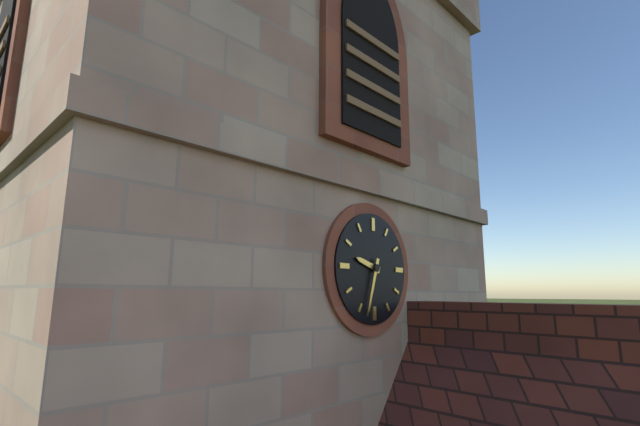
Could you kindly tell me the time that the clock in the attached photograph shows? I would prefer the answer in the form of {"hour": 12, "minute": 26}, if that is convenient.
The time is {"hour": 9, "minute": 33}
